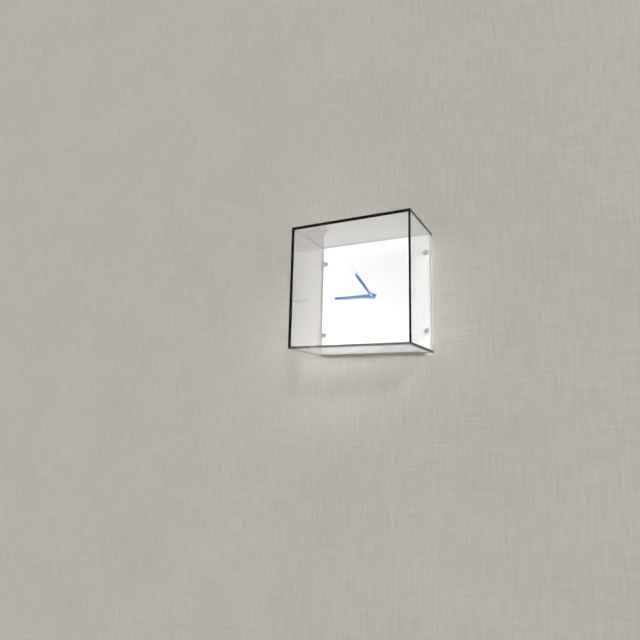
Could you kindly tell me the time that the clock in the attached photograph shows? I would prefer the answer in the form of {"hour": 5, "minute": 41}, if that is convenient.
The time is {"hour": 10, "minute": 45}
